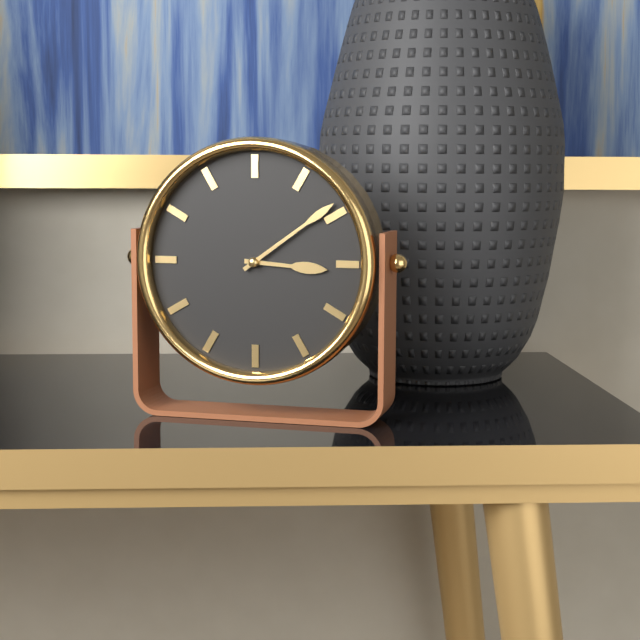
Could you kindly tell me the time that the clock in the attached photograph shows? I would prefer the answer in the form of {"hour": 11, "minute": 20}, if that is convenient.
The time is {"hour": 3, "minute": 9}
